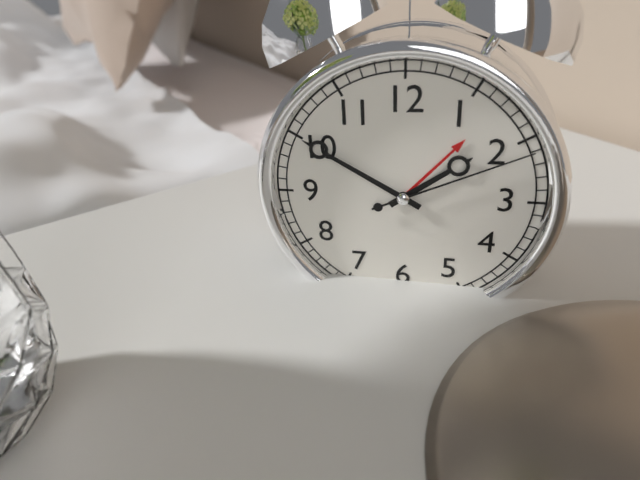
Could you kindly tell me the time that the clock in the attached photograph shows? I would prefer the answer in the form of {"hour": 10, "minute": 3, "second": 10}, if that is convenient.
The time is {"hour": 1, "minute": 50, "second": 11}
